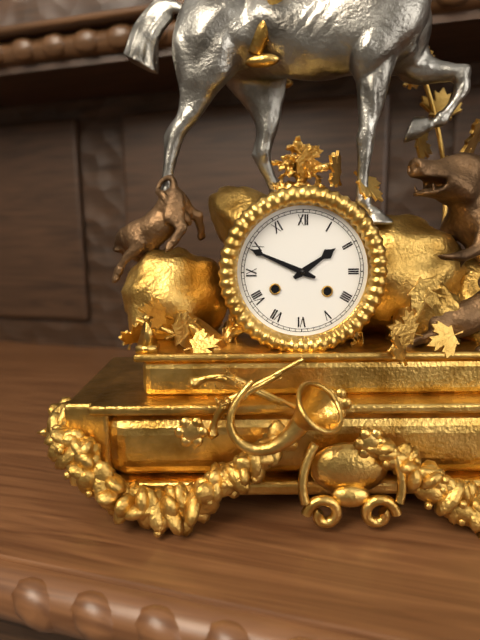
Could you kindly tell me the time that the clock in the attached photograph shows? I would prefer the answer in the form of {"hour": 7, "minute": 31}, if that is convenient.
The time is {"hour": 1, "minute": 49}
